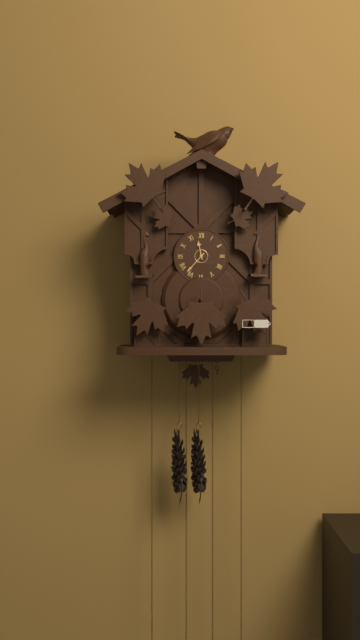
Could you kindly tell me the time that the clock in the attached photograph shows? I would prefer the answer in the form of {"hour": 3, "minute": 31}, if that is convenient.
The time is {"hour": 11, "minute": 37}
